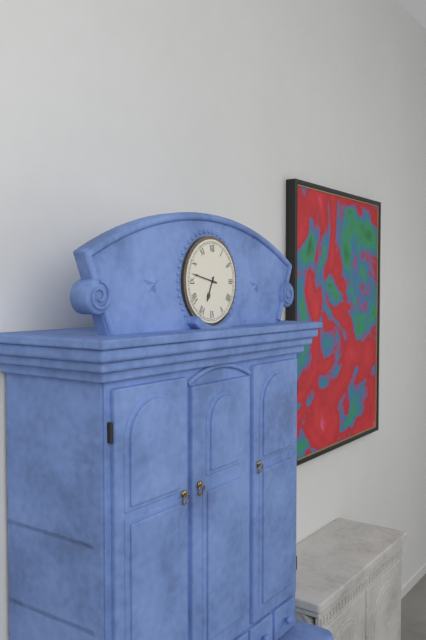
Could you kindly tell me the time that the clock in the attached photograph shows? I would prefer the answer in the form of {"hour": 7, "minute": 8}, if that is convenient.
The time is {"hour": 6, "minute": 47}
